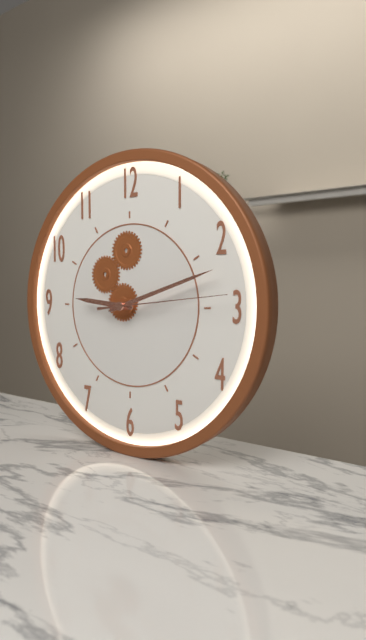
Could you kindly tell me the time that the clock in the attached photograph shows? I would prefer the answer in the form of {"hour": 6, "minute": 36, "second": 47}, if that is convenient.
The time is {"hour": 9, "minute": 12, "second": 14}
